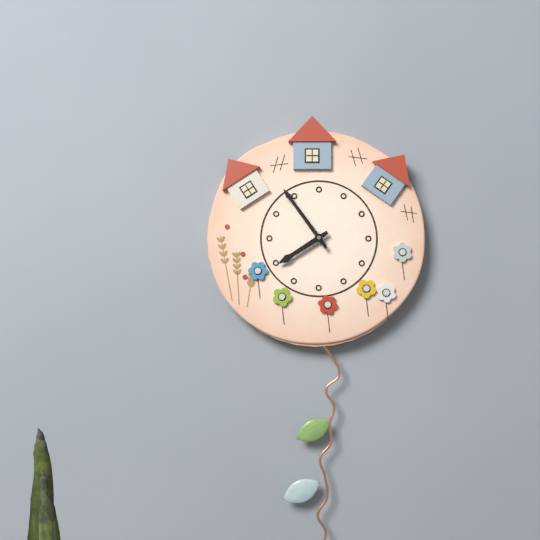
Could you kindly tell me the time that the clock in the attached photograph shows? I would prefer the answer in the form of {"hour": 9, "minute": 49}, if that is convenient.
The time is {"hour": 7, "minute": 54}
